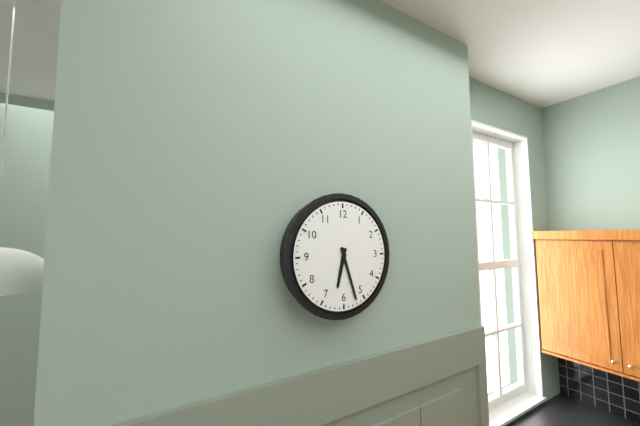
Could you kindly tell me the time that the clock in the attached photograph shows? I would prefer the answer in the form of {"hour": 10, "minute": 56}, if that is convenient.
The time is {"hour": 6, "minute": 27}
